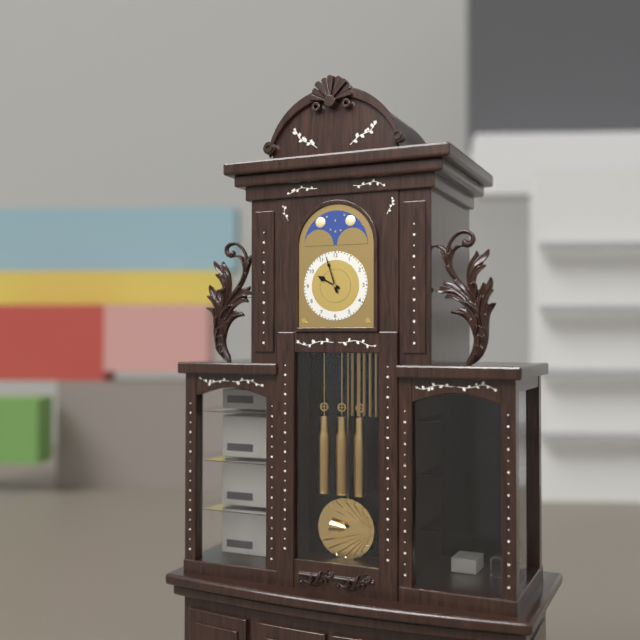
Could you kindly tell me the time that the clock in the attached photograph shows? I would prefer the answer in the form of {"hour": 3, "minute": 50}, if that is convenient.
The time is {"hour": 9, "minute": 57}
